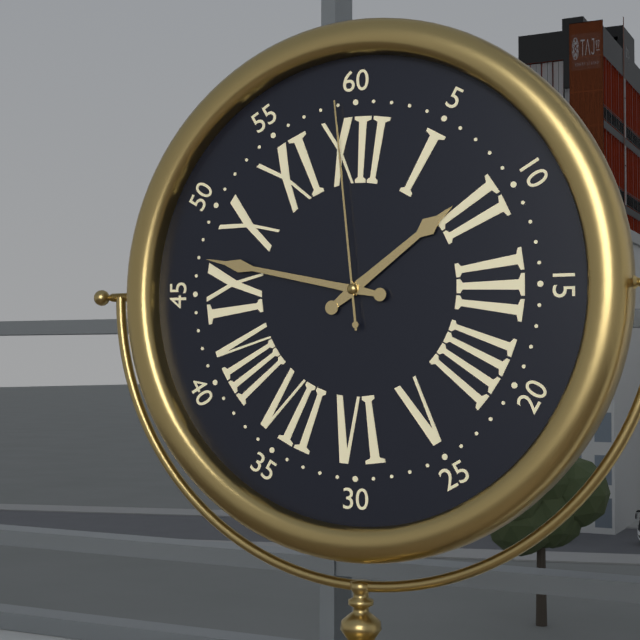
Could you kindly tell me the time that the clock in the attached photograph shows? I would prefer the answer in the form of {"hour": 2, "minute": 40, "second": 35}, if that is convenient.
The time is {"hour": 1, "minute": 47, "second": 59}
